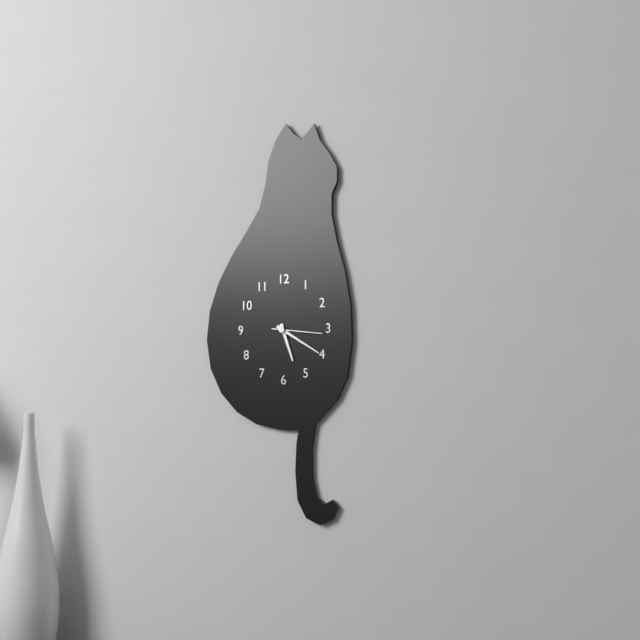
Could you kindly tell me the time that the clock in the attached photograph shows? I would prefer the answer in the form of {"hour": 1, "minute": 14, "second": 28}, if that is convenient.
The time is {"hour": 5, "minute": 20, "second": 16}
